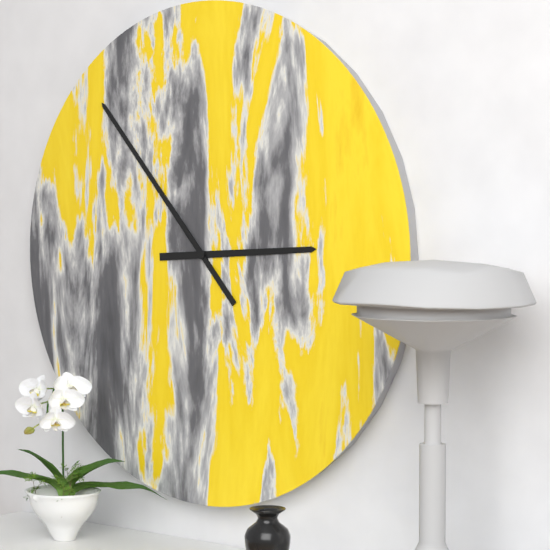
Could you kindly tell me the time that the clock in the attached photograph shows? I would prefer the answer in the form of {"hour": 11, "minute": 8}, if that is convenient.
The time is {"hour": 2, "minute": 53}
